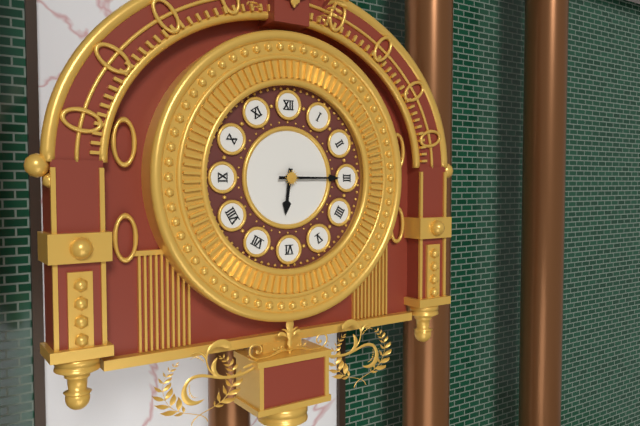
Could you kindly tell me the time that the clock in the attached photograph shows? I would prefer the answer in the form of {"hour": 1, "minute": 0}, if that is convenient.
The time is {"hour": 6, "minute": 15}
